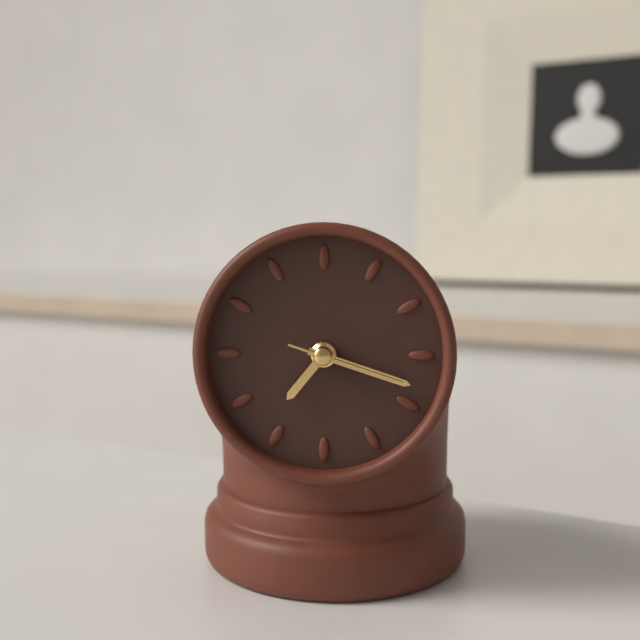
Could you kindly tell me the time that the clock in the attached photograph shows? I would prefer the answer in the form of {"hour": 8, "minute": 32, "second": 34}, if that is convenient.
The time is {"hour": 7, "minute": 18, "second": 18}
